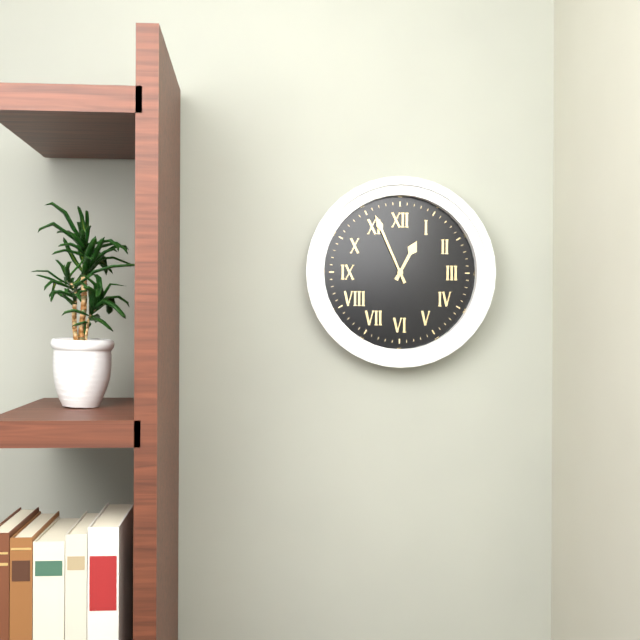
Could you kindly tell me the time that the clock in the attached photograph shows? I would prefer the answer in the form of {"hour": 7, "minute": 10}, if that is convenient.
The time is {"hour": 12, "minute": 56}
